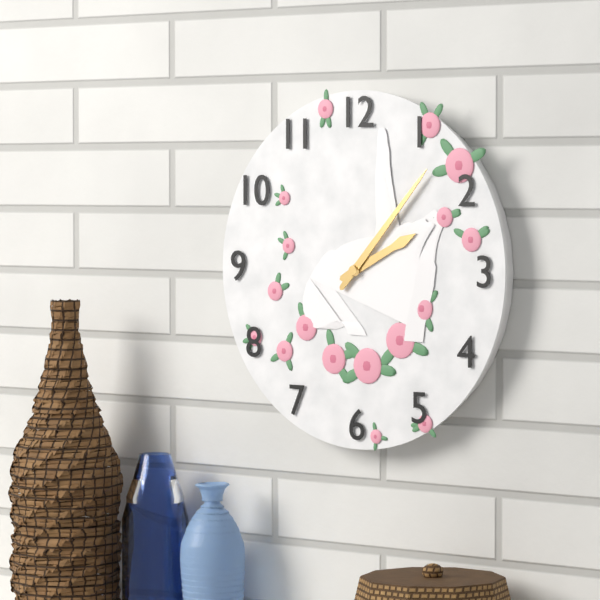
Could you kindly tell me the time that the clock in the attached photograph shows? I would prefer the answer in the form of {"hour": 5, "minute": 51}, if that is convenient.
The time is {"hour": 2, "minute": 7}
